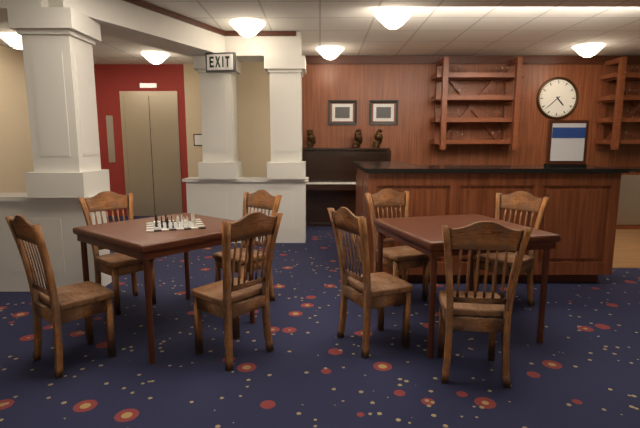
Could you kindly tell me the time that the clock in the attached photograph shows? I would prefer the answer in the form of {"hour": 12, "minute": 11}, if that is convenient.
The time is {"hour": 4, "minute": 38}
